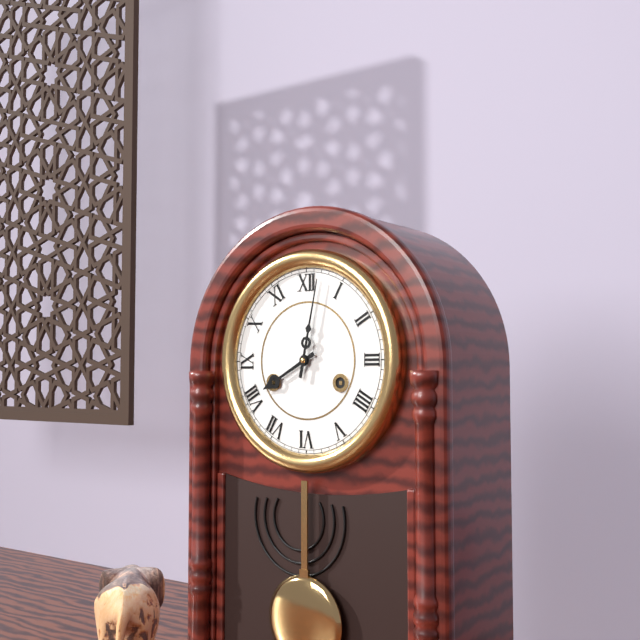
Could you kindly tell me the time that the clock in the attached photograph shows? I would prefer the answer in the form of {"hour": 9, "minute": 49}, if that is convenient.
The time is {"hour": 8, "minute": 2}
